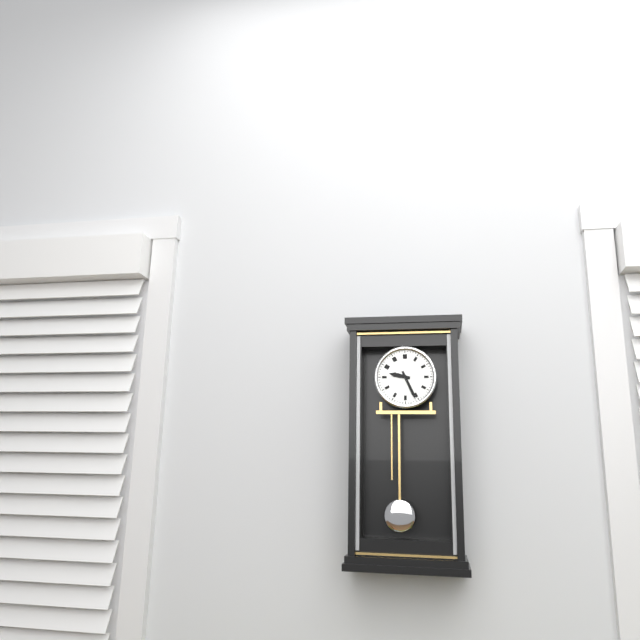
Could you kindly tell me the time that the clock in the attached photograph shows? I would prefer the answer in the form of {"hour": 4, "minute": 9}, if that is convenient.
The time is {"hour": 9, "minute": 26}
